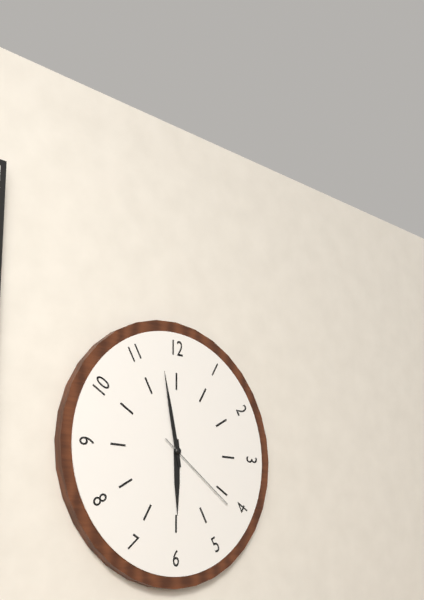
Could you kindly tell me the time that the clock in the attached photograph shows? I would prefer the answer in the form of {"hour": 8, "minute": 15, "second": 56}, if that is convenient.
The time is {"hour": 5, "minute": 58, "second": 21}
